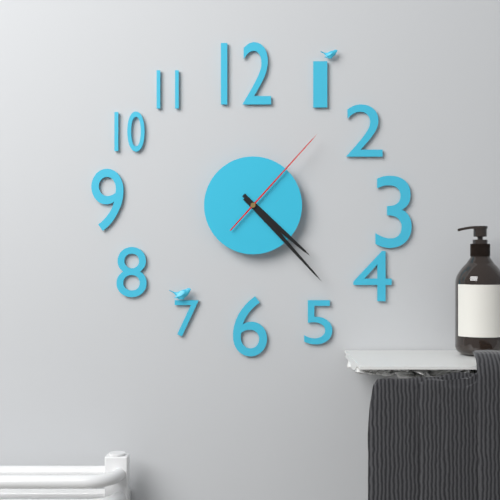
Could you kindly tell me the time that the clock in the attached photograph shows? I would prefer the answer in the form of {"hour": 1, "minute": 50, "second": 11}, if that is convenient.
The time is {"hour": 4, "minute": 23, "second": 7}
